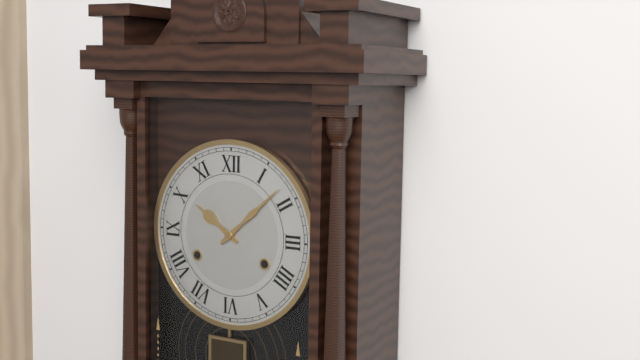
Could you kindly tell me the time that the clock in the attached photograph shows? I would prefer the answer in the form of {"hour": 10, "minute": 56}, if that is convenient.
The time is {"hour": 10, "minute": 8}
